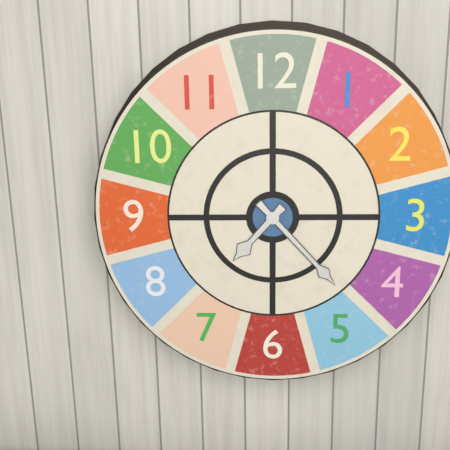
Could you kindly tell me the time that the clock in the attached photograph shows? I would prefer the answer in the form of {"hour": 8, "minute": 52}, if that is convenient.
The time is {"hour": 7, "minute": 23}
